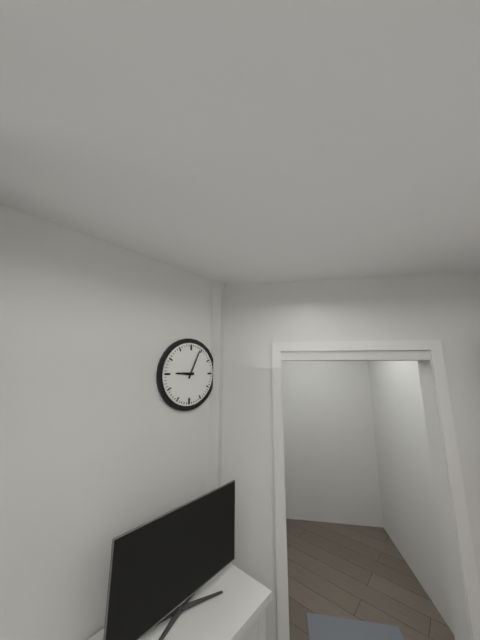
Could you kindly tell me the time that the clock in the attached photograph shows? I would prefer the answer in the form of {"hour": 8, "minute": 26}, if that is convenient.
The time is {"hour": 9, "minute": 4}
